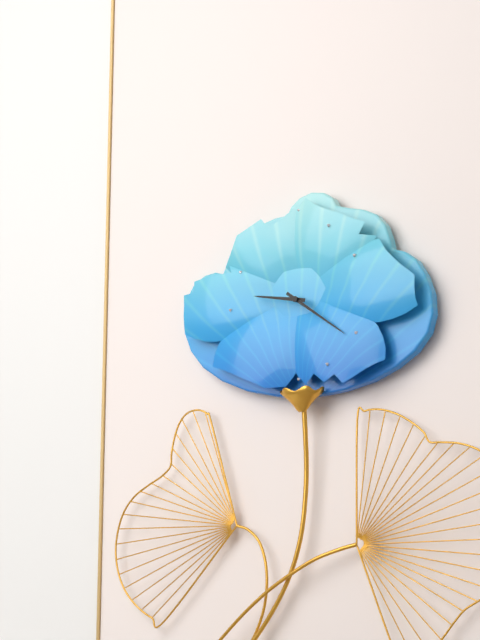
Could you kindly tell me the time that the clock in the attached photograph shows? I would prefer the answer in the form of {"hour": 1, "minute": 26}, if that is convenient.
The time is {"hour": 9, "minute": 21}
